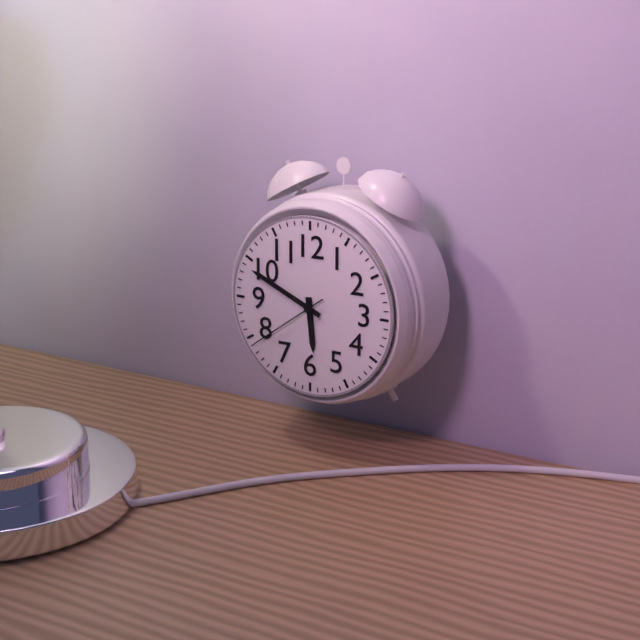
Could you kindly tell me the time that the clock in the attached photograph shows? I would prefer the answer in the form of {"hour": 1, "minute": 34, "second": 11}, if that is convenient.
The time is {"hour": 5, "minute": 49, "second": 39}
